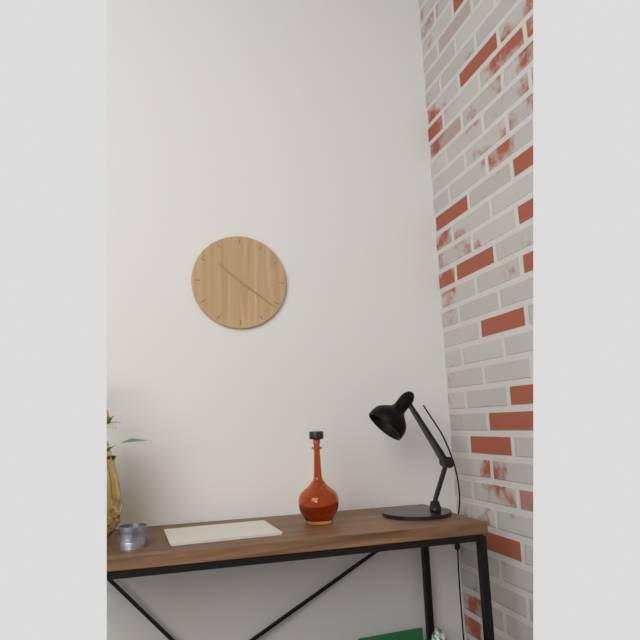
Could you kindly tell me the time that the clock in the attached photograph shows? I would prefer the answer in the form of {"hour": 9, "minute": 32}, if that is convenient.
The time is {"hour": 10, "minute": 21}
